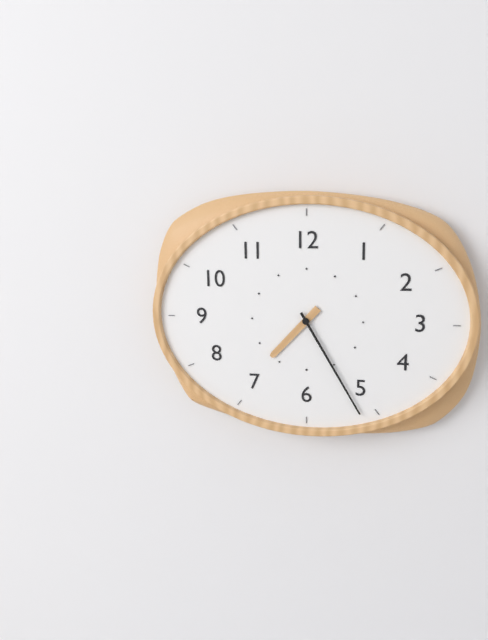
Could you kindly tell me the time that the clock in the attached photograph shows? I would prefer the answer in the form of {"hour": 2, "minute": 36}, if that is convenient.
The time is {"hour": 7, "minute": 25}
